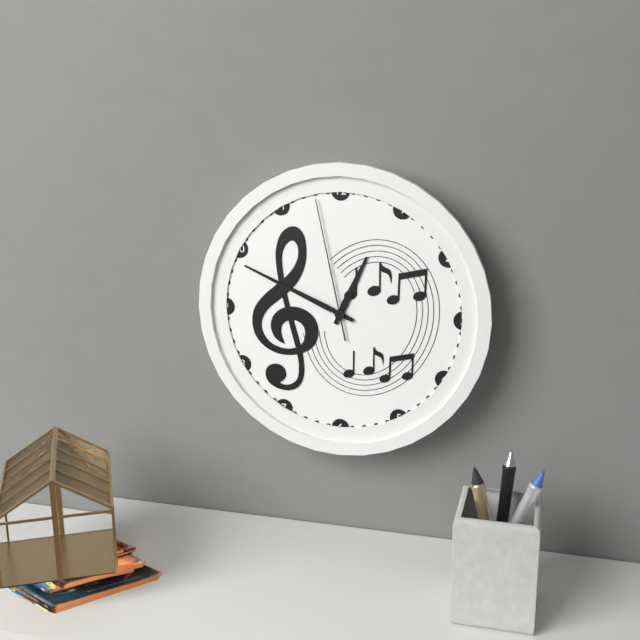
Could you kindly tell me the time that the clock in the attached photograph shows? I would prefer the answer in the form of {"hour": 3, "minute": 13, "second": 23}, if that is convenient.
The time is {"hour": 12, "minute": 49, "second": 58}
